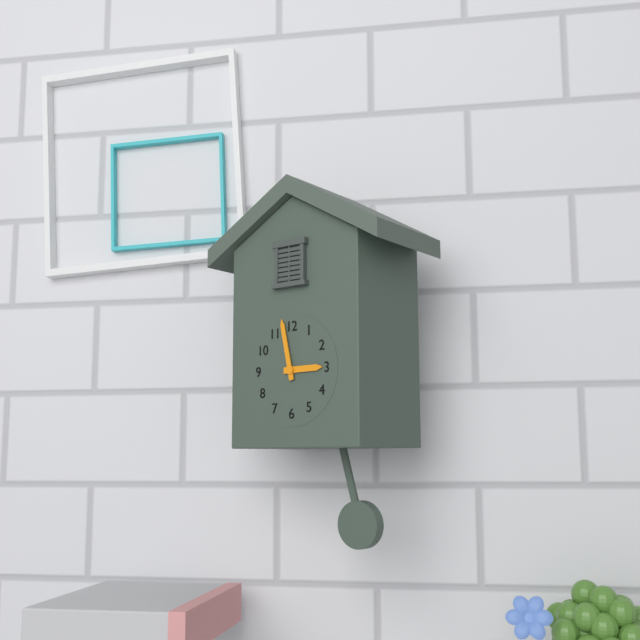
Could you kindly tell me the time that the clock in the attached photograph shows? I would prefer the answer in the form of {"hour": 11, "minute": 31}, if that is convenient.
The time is {"hour": 2, "minute": 58}
